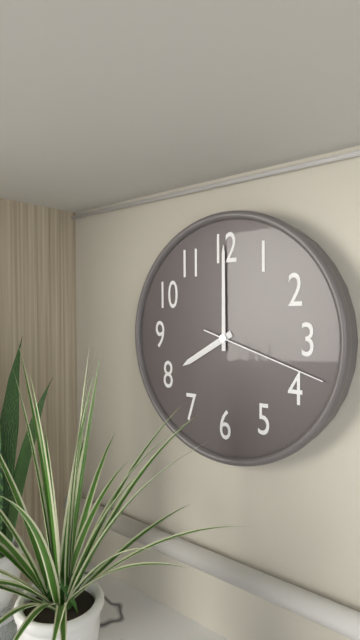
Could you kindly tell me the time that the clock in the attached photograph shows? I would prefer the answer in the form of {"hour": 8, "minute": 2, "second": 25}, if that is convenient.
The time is {"hour": 8, "minute": 0, "second": 18}
